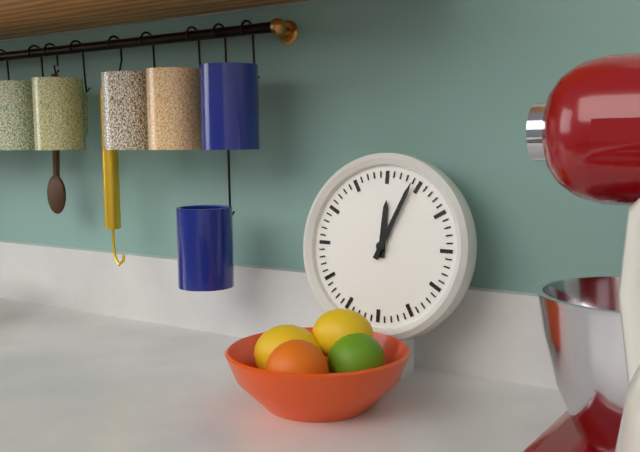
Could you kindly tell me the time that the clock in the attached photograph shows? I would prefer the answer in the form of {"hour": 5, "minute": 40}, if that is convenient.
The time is {"hour": 12, "minute": 4}
